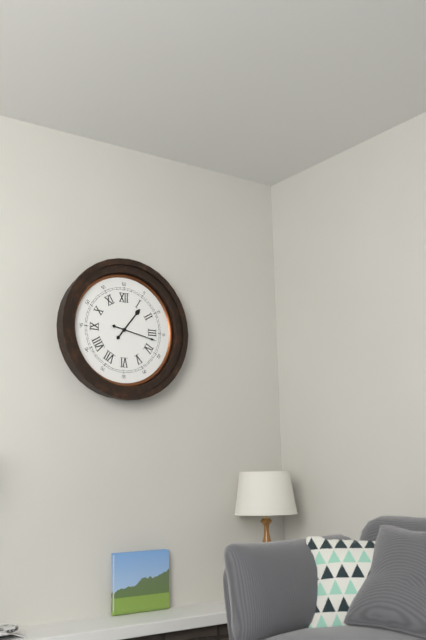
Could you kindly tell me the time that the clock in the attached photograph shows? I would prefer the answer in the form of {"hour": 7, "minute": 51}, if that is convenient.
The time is {"hour": 1, "minute": 17}
